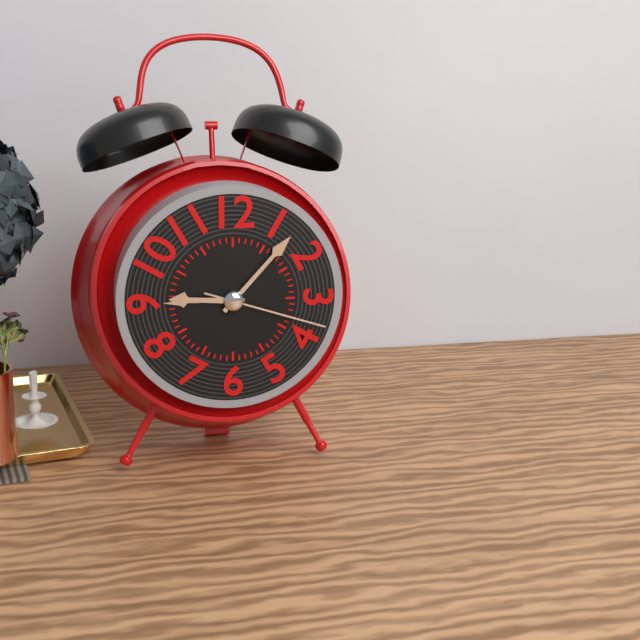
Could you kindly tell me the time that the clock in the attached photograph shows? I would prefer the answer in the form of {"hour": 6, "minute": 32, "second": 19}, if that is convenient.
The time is {"hour": 9, "minute": 7, "second": 18}
